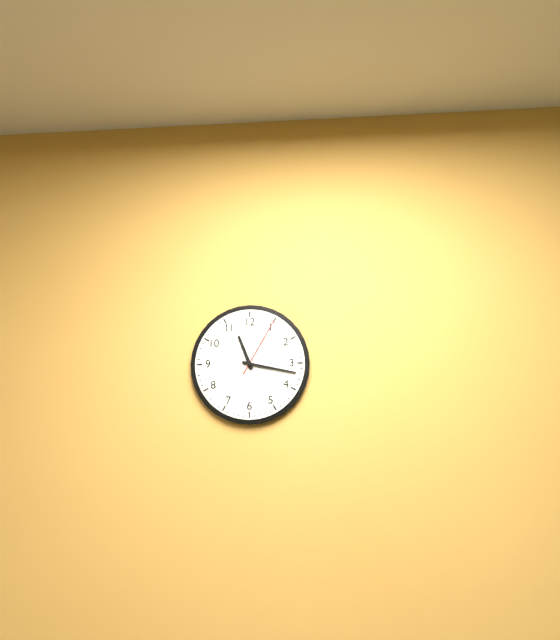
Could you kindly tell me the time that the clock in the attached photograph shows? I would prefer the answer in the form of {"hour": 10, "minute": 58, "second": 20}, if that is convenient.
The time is {"hour": 11, "minute": 17, "second": 5}
